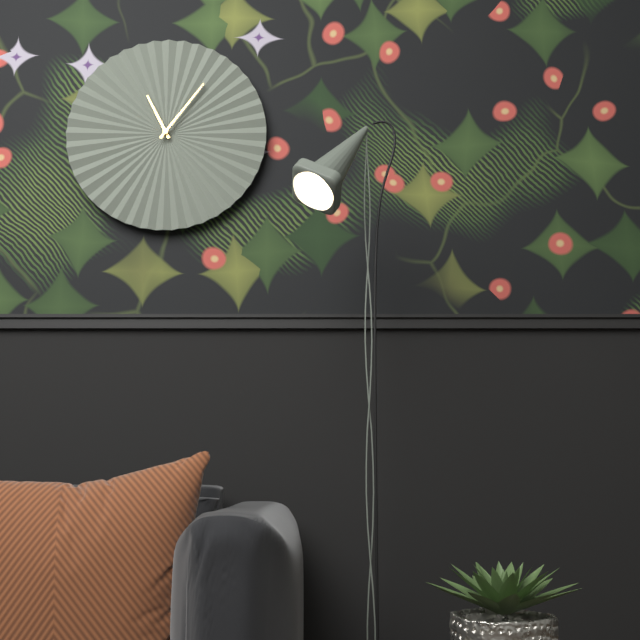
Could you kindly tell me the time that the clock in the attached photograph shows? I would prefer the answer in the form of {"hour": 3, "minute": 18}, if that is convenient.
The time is {"hour": 11, "minute": 6}
